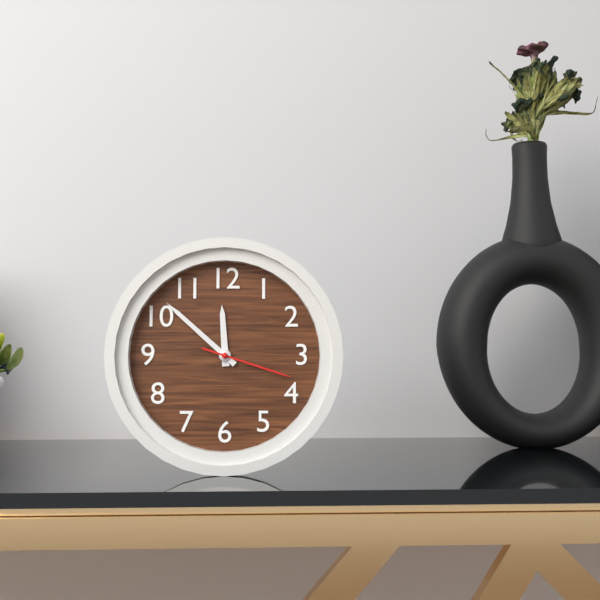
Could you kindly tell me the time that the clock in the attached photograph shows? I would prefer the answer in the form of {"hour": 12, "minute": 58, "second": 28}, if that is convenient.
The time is {"hour": 11, "minute": 52, "second": 18}
